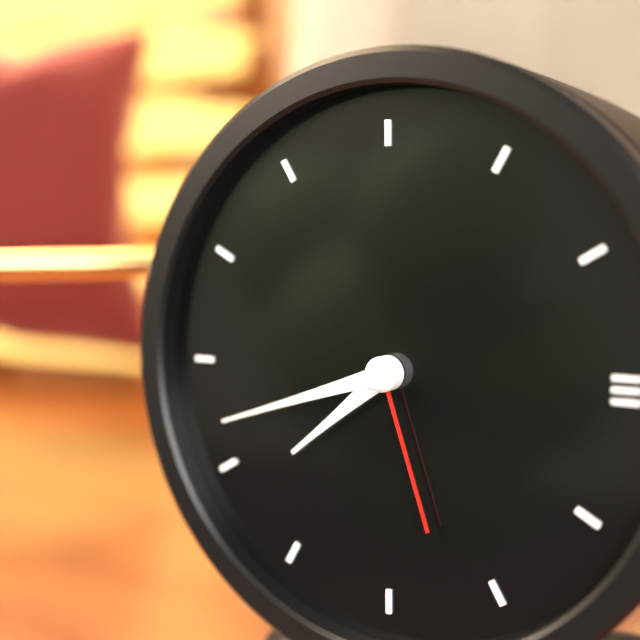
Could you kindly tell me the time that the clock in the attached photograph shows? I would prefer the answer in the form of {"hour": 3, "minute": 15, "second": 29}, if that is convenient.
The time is {"hour": 7, "minute": 42, "second": 27}
